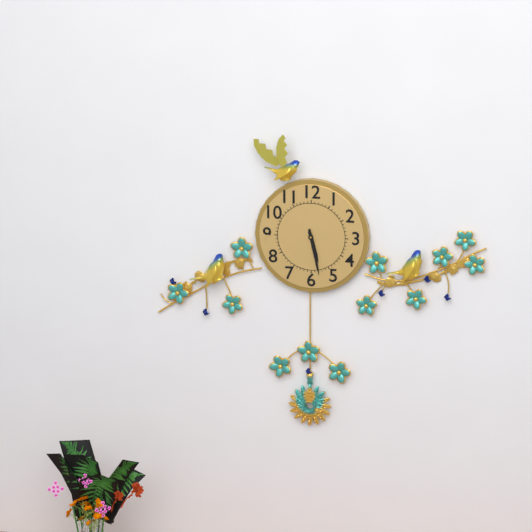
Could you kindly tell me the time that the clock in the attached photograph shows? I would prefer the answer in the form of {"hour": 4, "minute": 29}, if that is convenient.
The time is {"hour": 5, "minute": 28}
